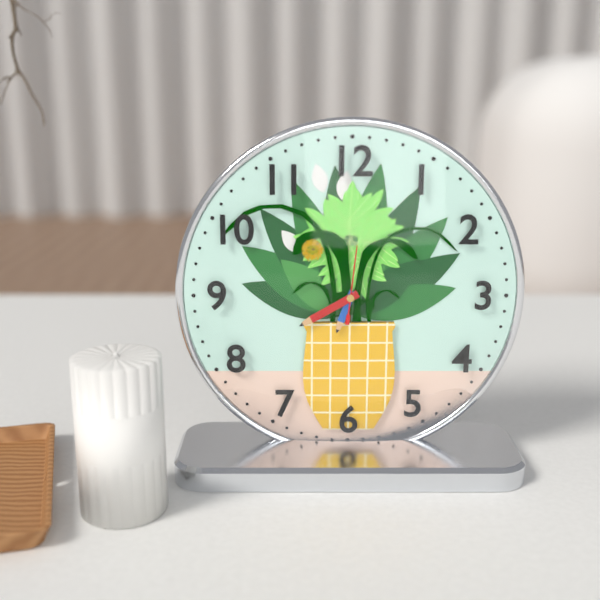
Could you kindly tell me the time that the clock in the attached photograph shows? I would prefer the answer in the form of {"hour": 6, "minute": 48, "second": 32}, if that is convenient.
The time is {"hour": 6, "minute": 40, "second": 1}
